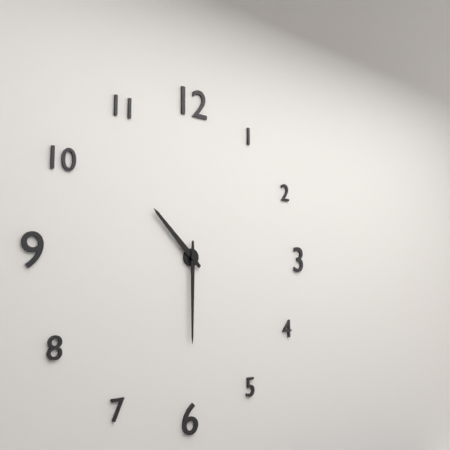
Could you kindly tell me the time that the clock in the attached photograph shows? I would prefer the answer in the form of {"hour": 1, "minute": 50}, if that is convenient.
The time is {"hour": 10, "minute": 30}
